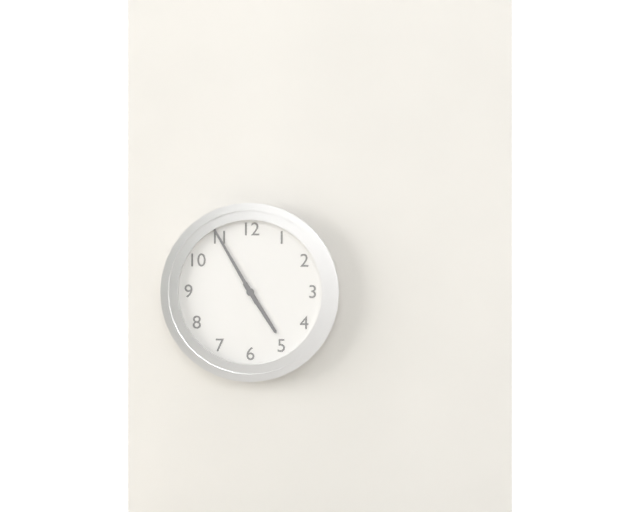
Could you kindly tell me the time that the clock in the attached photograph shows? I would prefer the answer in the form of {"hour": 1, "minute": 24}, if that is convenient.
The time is {"hour": 4, "minute": 55}
